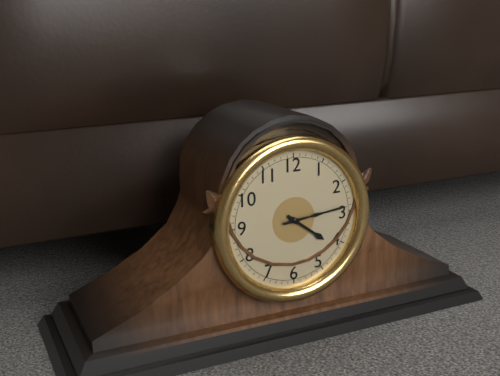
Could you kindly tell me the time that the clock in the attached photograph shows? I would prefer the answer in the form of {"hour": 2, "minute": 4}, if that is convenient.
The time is {"hour": 4, "minute": 14}
